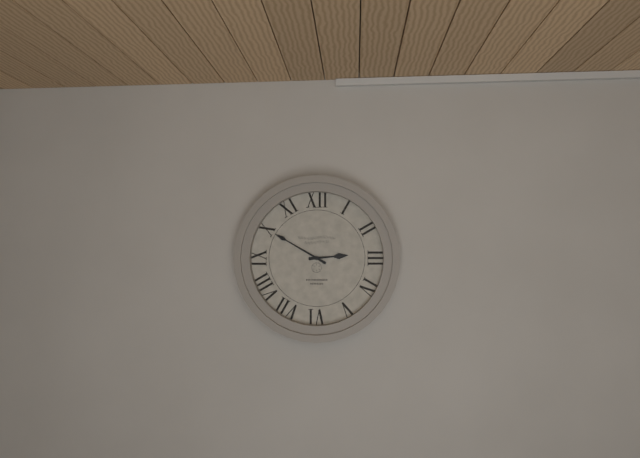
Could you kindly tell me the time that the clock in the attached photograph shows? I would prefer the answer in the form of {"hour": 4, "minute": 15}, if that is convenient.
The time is {"hour": 2, "minute": 50}
